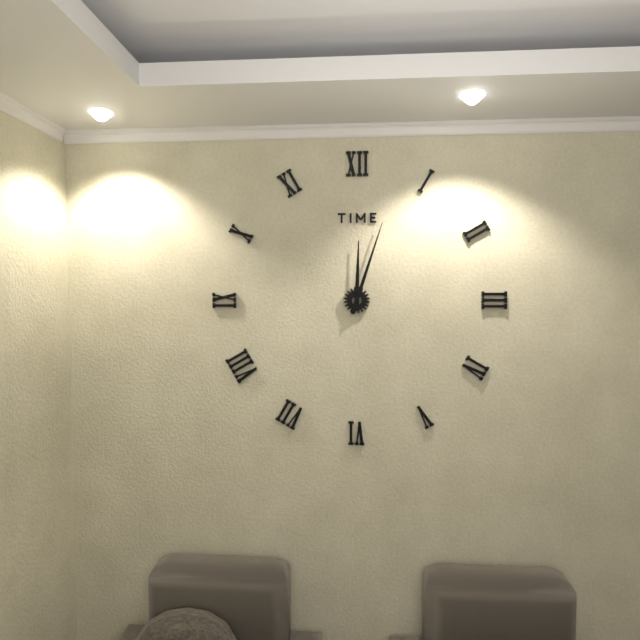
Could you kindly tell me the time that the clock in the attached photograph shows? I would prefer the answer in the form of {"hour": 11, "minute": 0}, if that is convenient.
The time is {"hour": 12, "minute": 3}
